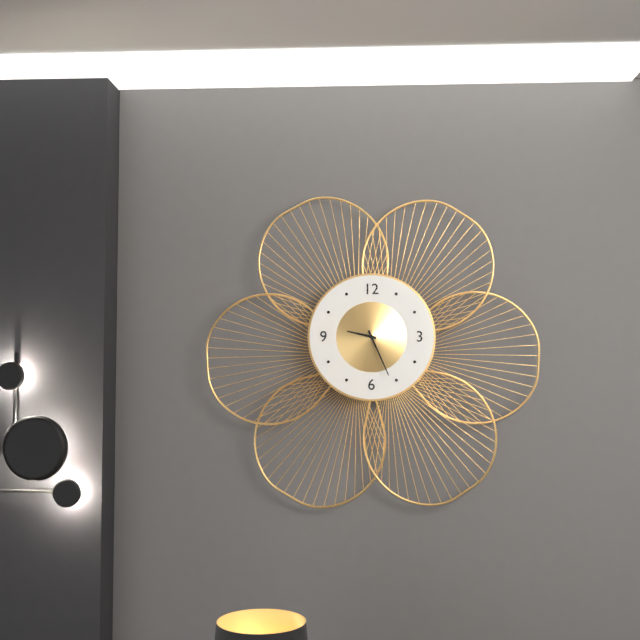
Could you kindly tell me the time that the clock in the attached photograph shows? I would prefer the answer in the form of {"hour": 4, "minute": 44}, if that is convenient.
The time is {"hour": 9, "minute": 26}
